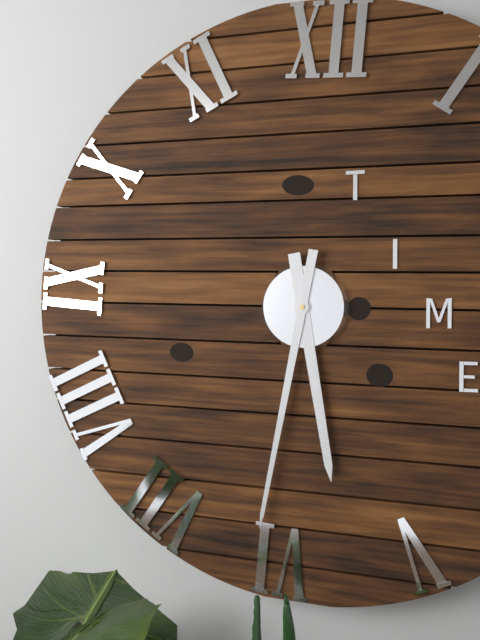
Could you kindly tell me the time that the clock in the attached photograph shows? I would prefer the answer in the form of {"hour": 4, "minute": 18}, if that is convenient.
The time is {"hour": 5, "minute": 31}
